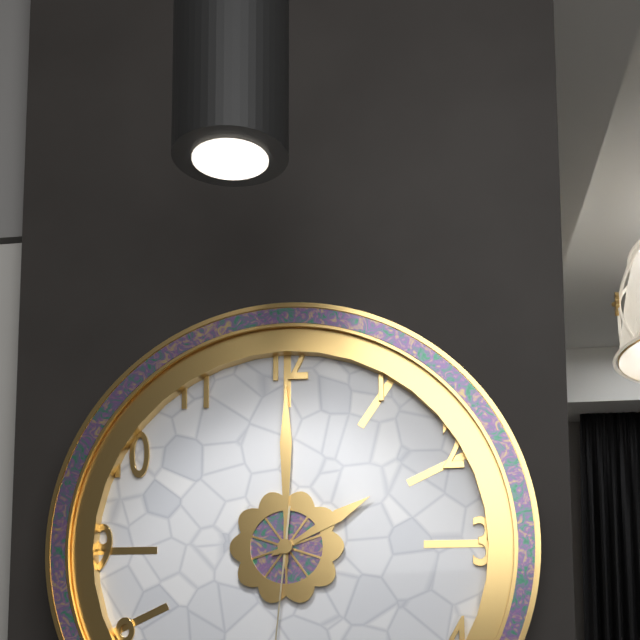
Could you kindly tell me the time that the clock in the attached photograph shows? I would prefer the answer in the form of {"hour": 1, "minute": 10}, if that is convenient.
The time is {"hour": 2, "minute": 0}
